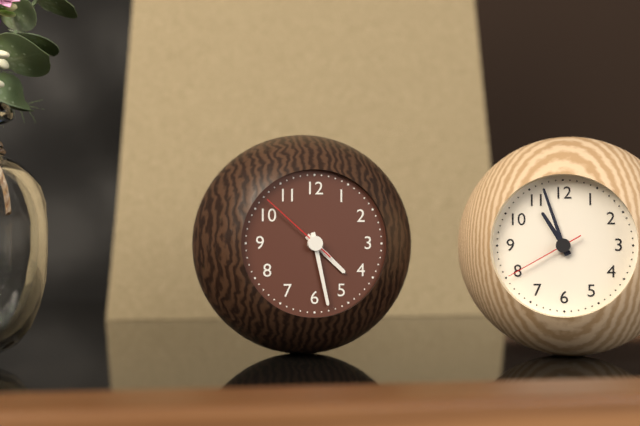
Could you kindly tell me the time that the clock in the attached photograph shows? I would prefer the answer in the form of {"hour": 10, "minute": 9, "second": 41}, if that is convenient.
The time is {"hour": 4, "minute": 28, "second": 52}
